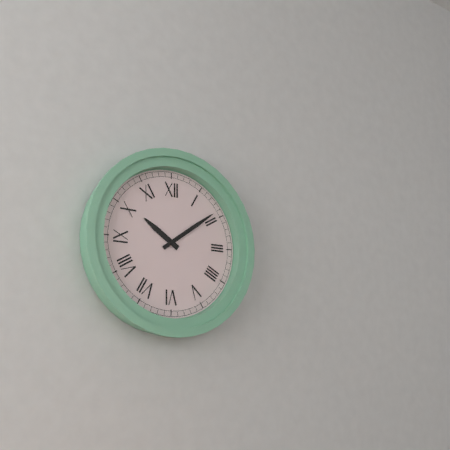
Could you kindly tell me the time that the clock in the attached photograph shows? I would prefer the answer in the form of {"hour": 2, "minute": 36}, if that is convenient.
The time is {"hour": 10, "minute": 9}
